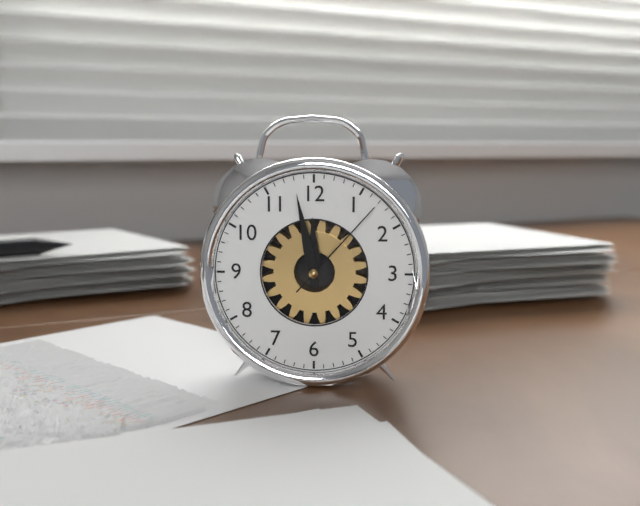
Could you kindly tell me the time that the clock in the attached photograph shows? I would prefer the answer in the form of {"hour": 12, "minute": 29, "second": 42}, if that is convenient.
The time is {"hour": 11, "minute": 58, "second": 7}
